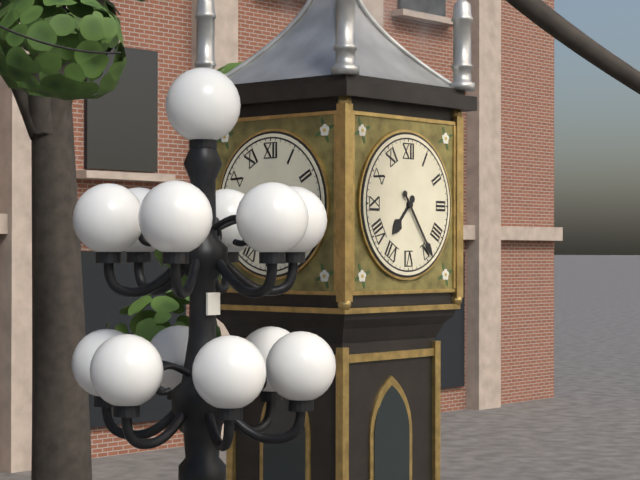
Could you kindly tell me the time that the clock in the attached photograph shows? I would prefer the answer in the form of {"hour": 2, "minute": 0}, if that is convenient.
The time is {"hour": 7, "minute": 24}
